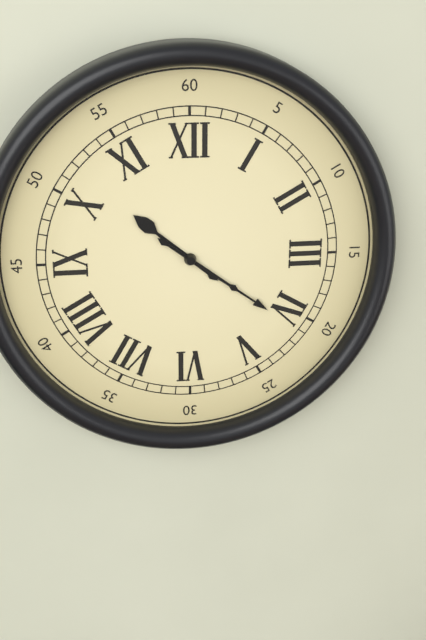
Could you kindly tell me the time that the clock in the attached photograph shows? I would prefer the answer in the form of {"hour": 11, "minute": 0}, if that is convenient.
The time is {"hour": 10, "minute": 21}
